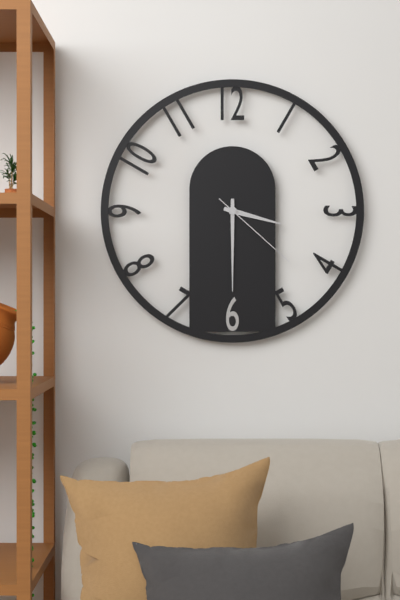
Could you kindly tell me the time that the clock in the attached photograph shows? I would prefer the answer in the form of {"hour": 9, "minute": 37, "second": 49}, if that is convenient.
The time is {"hour": 3, "minute": 30, "second": 22}
